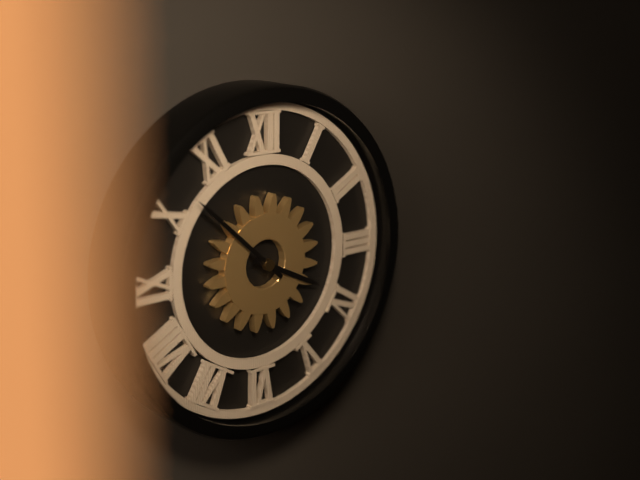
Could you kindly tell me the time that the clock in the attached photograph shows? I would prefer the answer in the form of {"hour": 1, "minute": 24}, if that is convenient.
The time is {"hour": 3, "minute": 52}
